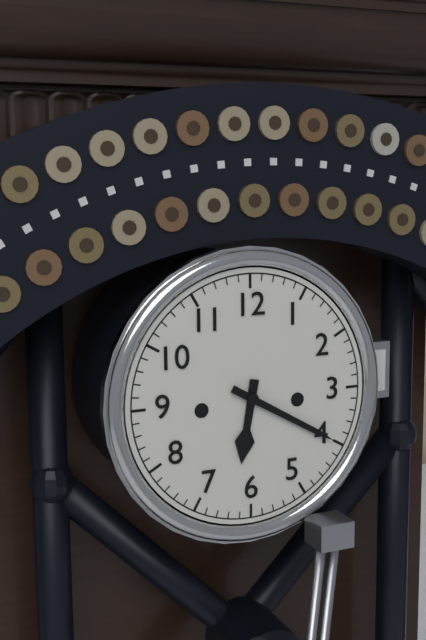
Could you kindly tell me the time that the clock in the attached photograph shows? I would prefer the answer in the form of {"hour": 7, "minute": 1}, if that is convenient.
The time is {"hour": 6, "minute": 20}
